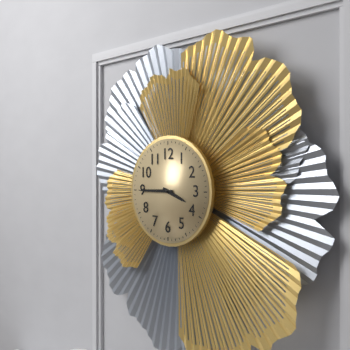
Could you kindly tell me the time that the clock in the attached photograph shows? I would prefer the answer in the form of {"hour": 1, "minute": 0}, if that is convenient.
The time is {"hour": 3, "minute": 45}
